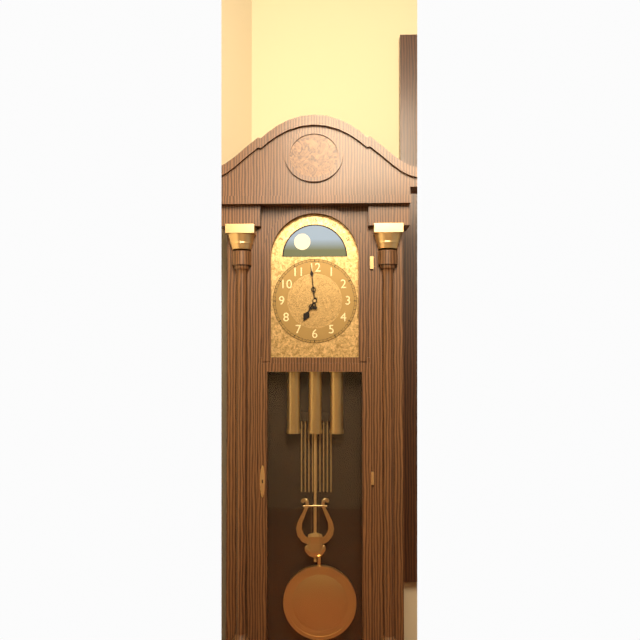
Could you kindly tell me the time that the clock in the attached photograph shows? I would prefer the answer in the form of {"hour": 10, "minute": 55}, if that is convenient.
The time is {"hour": 6, "minute": 59}
